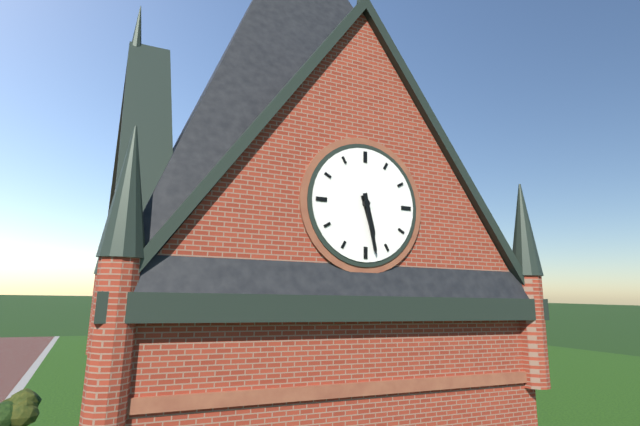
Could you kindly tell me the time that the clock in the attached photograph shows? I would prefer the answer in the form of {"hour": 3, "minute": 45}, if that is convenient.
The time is {"hour": 5, "minute": 28}
